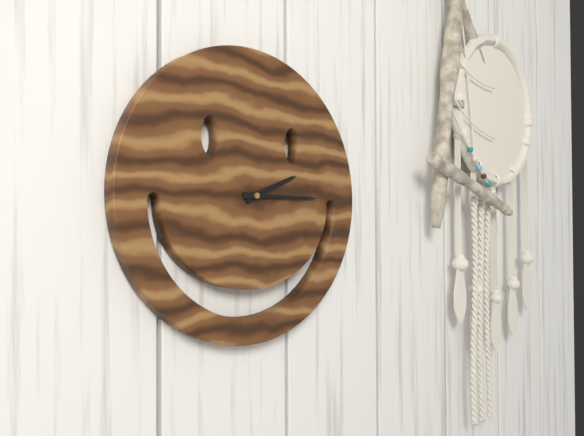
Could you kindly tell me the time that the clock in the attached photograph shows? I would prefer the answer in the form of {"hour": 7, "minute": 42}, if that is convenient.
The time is {"hour": 2, "minute": 15}
